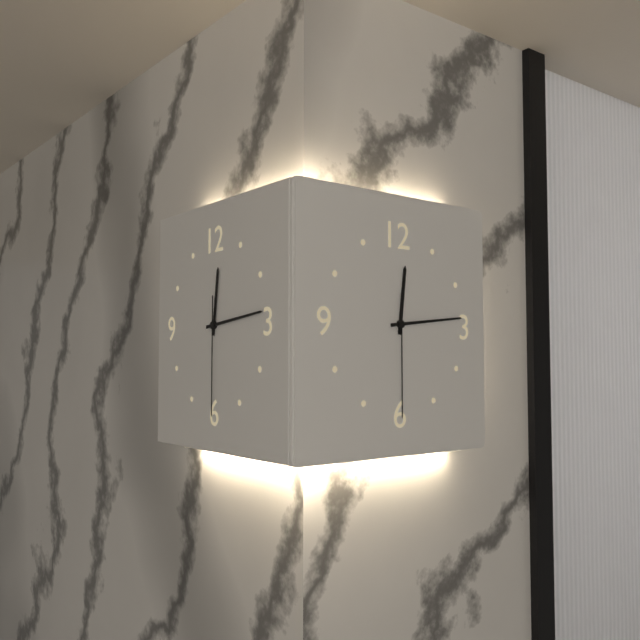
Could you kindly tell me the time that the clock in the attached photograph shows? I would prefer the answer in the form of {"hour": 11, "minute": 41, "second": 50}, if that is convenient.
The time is {"hour": 12, "minute": 14, "second": 30}
